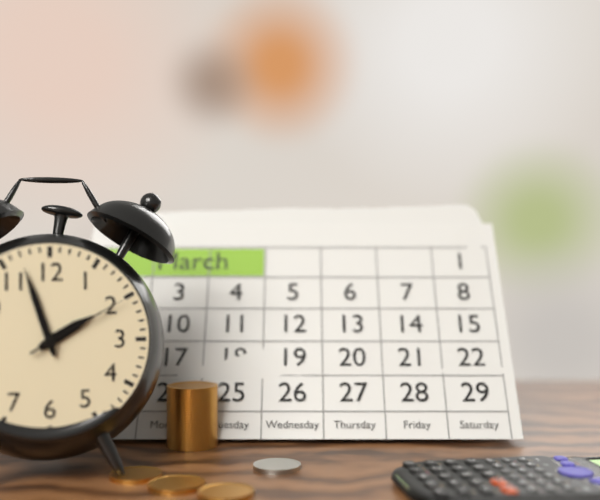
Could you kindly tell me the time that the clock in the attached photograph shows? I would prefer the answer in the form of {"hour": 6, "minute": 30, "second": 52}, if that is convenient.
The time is {"hour": 1, "minute": 57, "second": 10}
